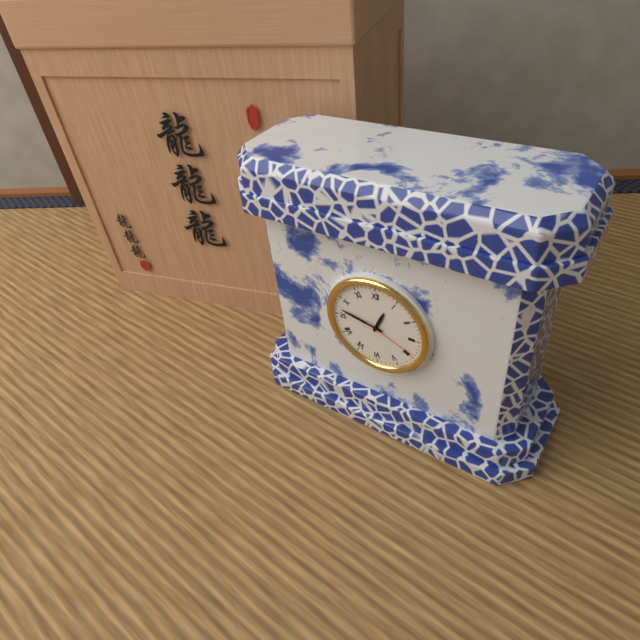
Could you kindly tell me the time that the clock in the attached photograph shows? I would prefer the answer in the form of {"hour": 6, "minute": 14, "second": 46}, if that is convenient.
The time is {"hour": 12, "minute": 47, "second": 19}
